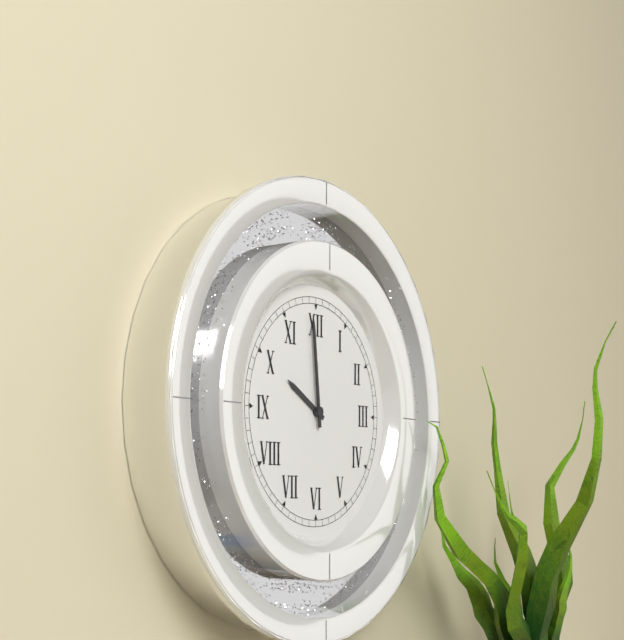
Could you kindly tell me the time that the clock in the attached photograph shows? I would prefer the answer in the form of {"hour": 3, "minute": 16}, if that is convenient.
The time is {"hour": 9, "minute": 59}
